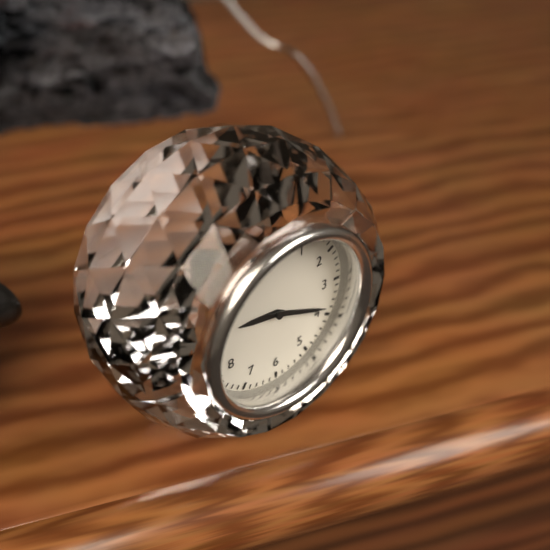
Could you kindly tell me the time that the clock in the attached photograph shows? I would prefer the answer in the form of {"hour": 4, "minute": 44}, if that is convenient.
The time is {"hour": 9, "minute": 19}
